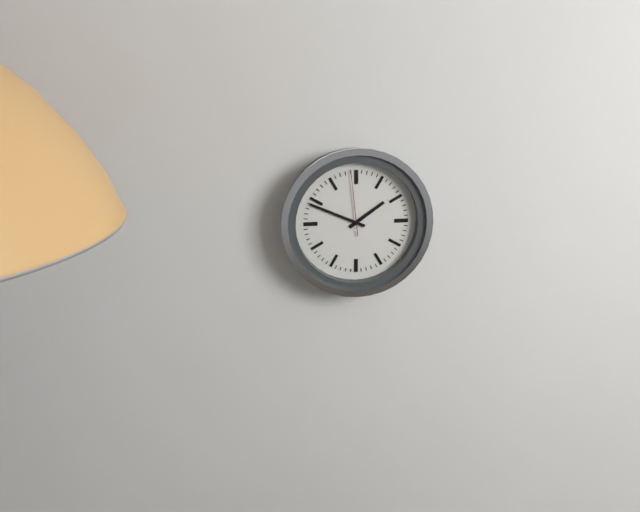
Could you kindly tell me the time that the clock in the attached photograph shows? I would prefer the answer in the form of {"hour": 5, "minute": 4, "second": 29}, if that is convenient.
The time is {"hour": 1, "minute": 49, "second": 59}
